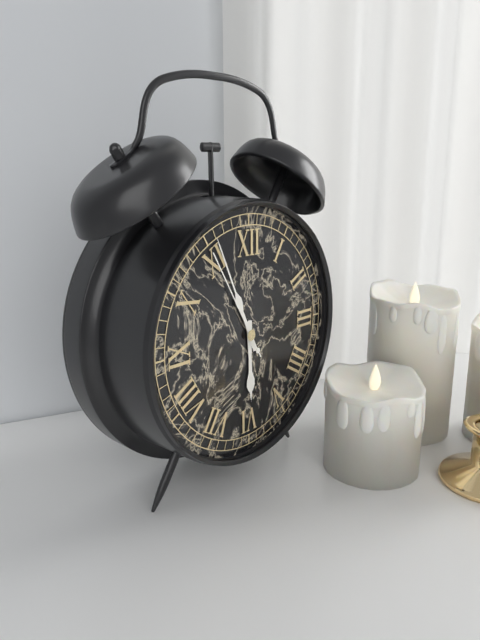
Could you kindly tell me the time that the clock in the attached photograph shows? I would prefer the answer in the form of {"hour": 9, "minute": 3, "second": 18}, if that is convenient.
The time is {"hour": 5, "minute": 56, "second": 55}
